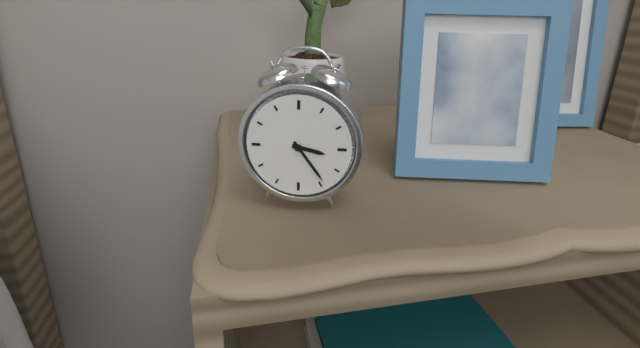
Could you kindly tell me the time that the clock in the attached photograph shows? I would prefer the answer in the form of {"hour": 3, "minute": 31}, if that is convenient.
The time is {"hour": 3, "minute": 24}
